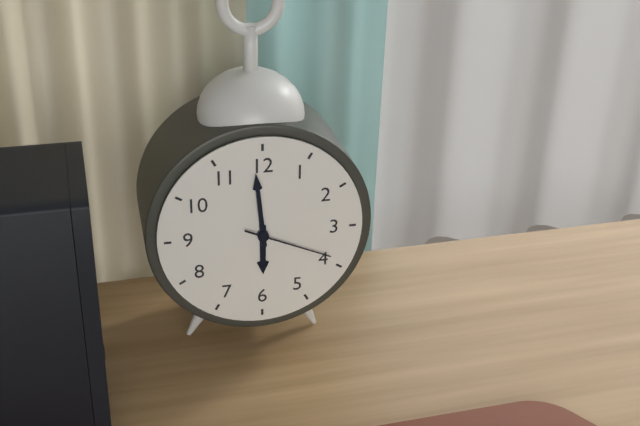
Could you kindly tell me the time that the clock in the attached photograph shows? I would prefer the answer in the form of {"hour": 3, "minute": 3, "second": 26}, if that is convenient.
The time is {"hour": 5, "minute": 59, "second": 19}
